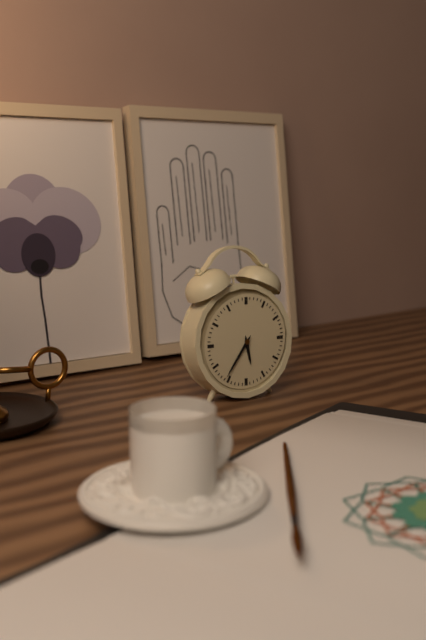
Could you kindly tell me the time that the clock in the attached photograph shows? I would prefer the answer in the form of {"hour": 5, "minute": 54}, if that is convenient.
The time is {"hour": 5, "minute": 36}
